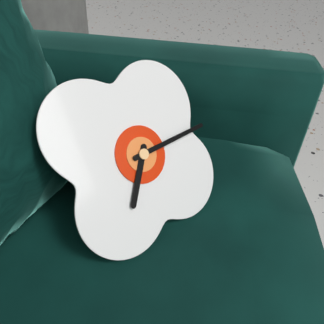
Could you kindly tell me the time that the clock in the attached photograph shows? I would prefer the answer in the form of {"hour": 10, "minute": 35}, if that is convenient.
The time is {"hour": 7, "minute": 15}
